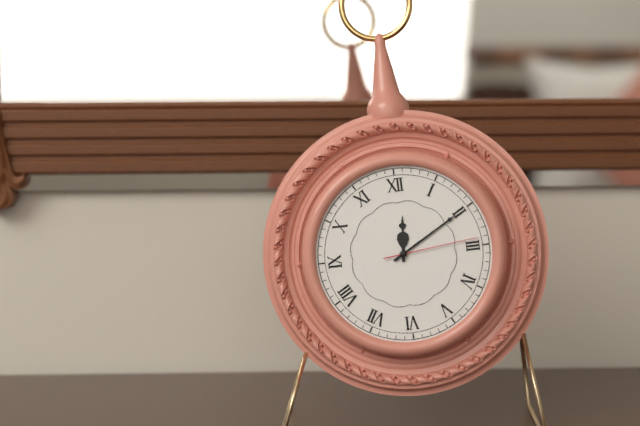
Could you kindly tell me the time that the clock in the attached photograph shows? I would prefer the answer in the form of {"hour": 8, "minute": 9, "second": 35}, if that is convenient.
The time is {"hour": 12, "minute": 10, "second": 14}
